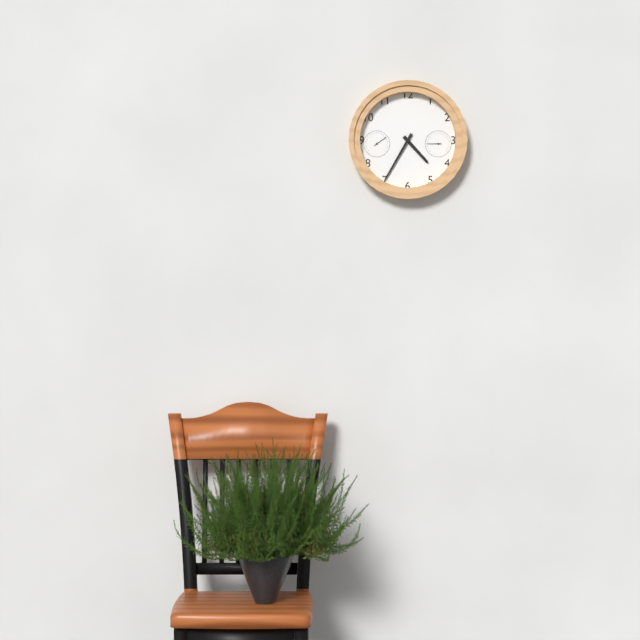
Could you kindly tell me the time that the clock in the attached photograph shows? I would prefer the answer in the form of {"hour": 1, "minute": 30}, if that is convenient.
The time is {"hour": 4, "minute": 35}
